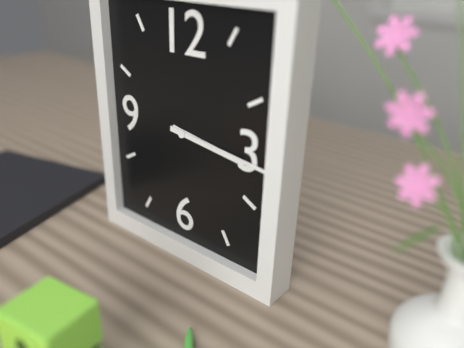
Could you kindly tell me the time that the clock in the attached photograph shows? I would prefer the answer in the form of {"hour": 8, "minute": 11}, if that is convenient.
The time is {"hour": 3, "minute": 16}
